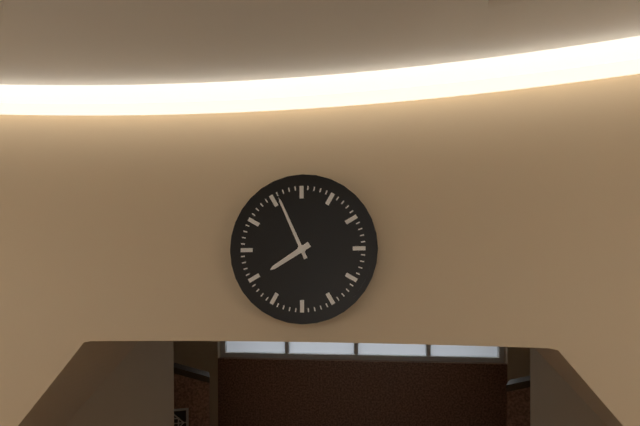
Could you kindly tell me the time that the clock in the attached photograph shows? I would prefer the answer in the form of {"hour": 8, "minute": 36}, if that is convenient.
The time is {"hour": 7, "minute": 56}
